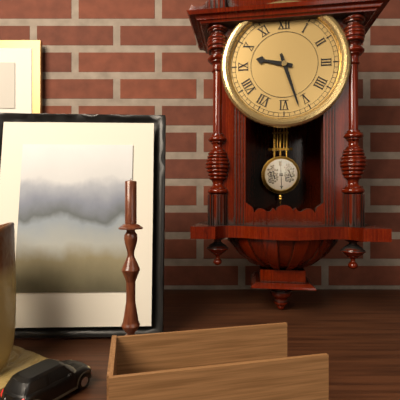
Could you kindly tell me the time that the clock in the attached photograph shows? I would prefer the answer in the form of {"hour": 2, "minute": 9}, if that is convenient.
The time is {"hour": 9, "minute": 27}
